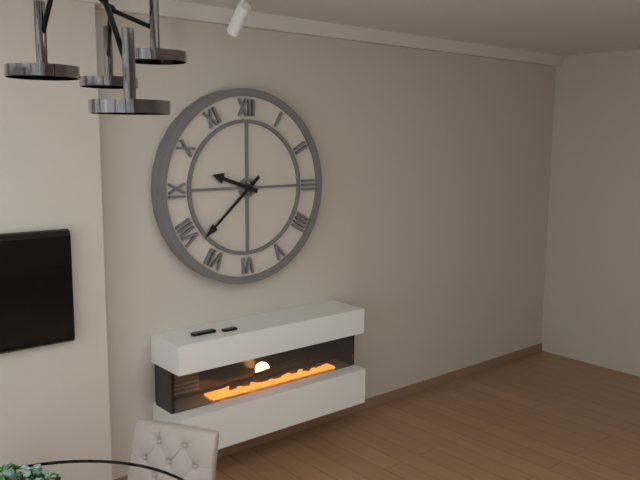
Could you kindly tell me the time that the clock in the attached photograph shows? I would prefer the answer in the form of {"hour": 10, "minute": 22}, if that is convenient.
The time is {"hour": 9, "minute": 38}
